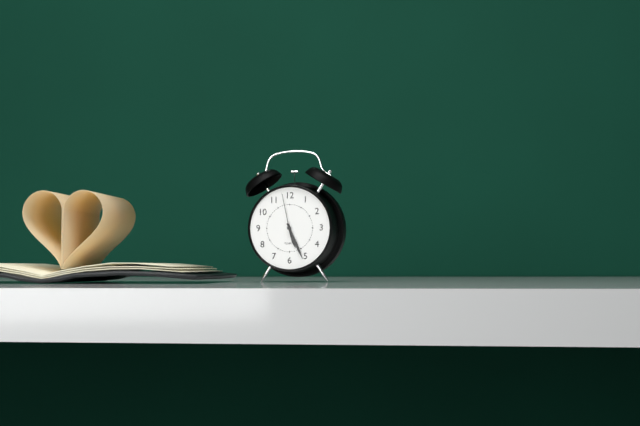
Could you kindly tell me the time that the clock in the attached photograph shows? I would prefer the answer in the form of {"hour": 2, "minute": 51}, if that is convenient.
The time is {"hour": 5, "minute": 26}
